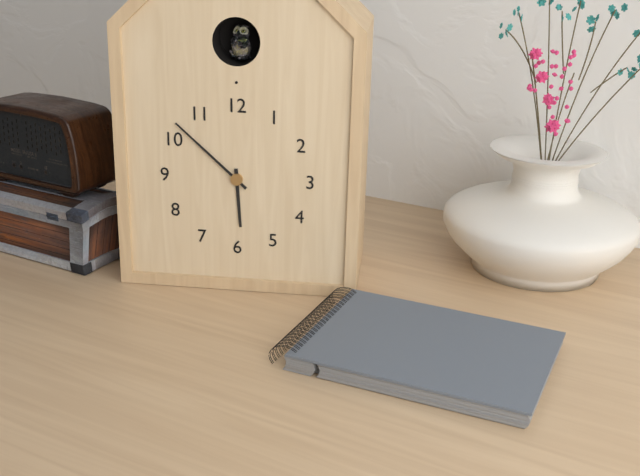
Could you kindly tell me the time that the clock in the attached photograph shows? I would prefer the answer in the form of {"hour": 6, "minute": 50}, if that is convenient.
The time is {"hour": 5, "minute": 52}
